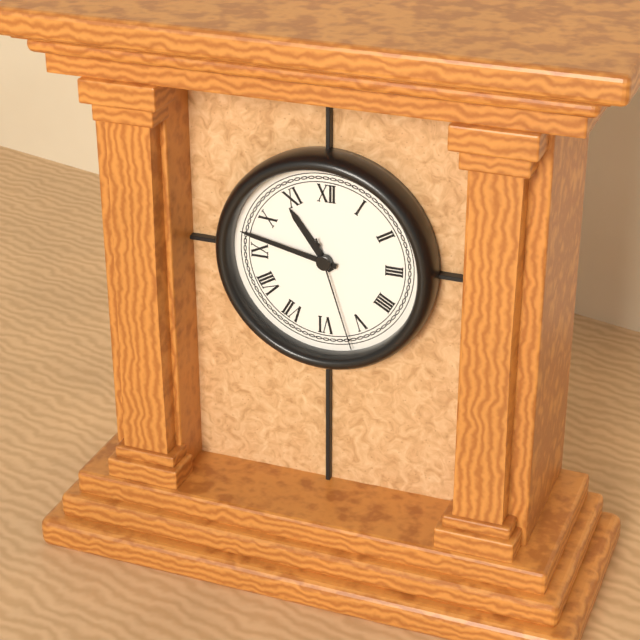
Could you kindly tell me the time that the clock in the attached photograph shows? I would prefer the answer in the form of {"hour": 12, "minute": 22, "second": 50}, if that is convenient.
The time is {"hour": 10, "minute": 47, "second": 27}
